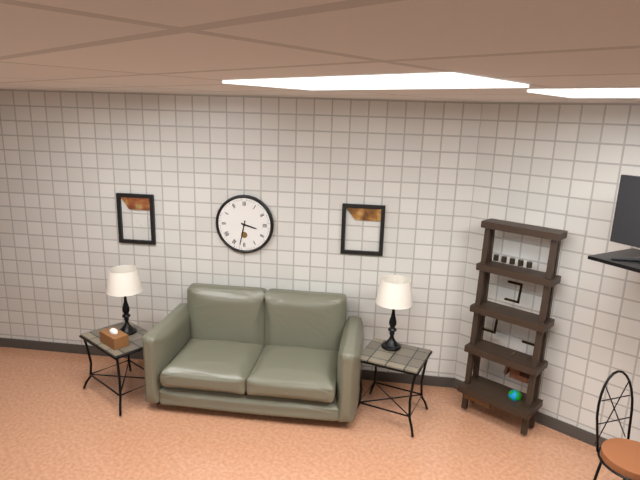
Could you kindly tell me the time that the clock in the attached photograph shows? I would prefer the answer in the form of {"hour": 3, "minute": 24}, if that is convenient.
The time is {"hour": 3, "minute": 32}
